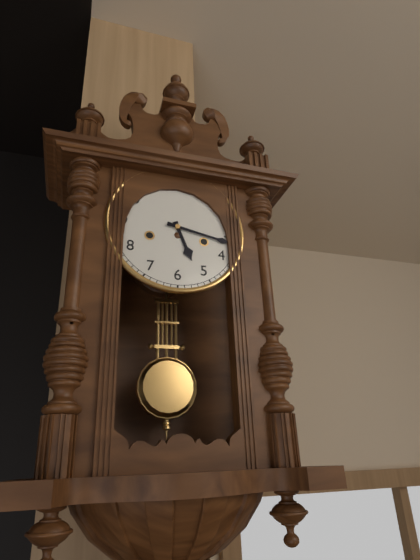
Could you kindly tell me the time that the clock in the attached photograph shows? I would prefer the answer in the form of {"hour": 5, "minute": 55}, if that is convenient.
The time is {"hour": 5, "minute": 17}
